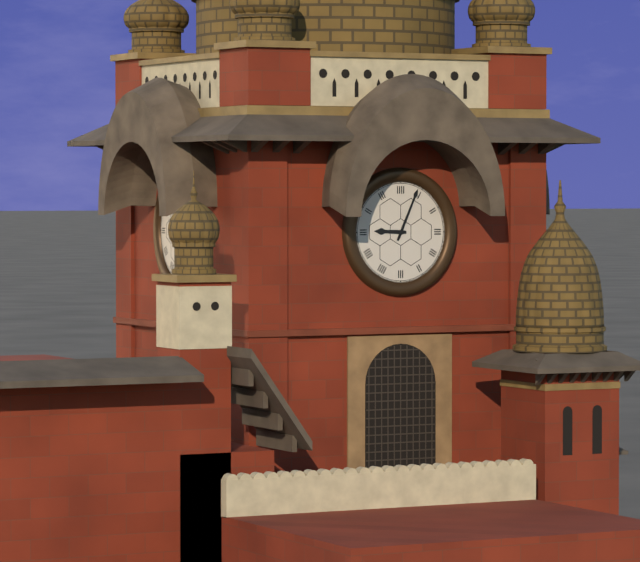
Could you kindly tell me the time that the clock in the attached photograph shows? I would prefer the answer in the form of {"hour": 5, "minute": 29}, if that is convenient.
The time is {"hour": 9, "minute": 4}
